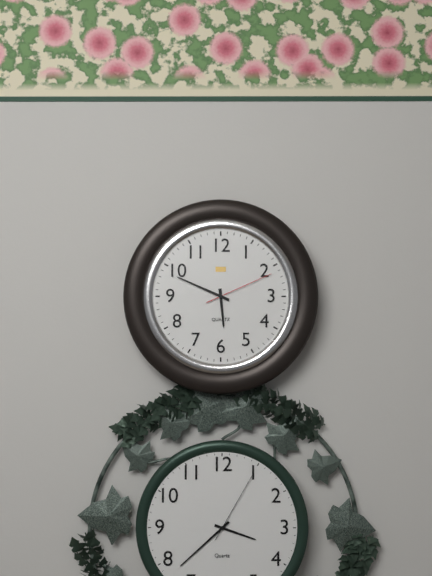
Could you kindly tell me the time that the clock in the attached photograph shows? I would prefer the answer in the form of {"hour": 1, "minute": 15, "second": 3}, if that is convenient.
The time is {"hour": 5, "minute": 49, "second": 11}
